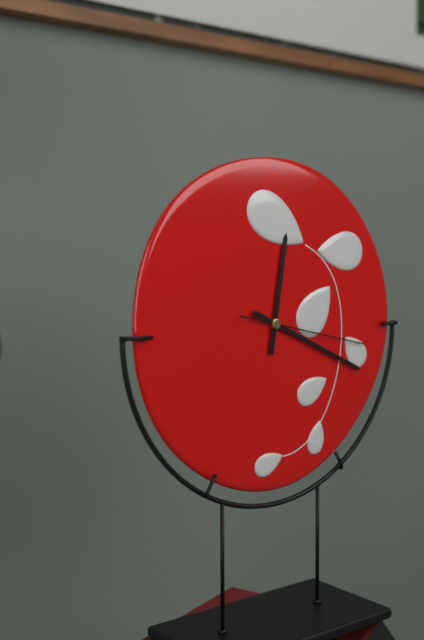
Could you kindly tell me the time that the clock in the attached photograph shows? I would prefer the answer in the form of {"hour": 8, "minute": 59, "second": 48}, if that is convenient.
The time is {"hour": 12, "minute": 19, "second": 17}
